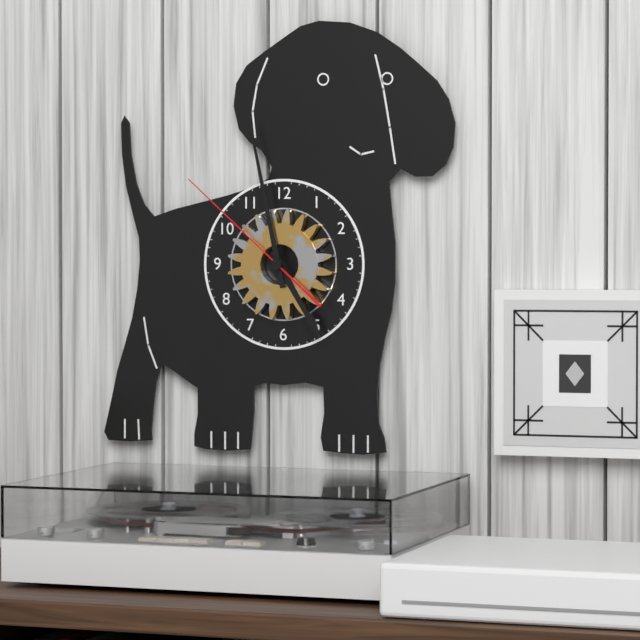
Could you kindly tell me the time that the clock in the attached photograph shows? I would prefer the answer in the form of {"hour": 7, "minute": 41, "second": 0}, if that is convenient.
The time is {"hour": 4, "minute": 58, "second": 52}
